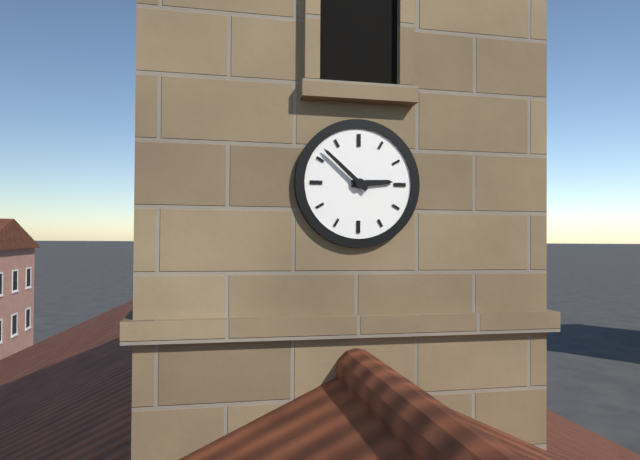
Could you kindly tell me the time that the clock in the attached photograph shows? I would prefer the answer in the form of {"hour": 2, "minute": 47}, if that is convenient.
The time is {"hour": 2, "minute": 52}
